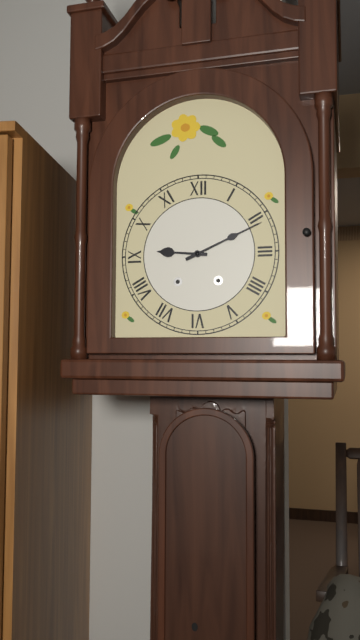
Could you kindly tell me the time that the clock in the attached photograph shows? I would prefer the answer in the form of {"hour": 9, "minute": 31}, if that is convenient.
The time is {"hour": 9, "minute": 11}
